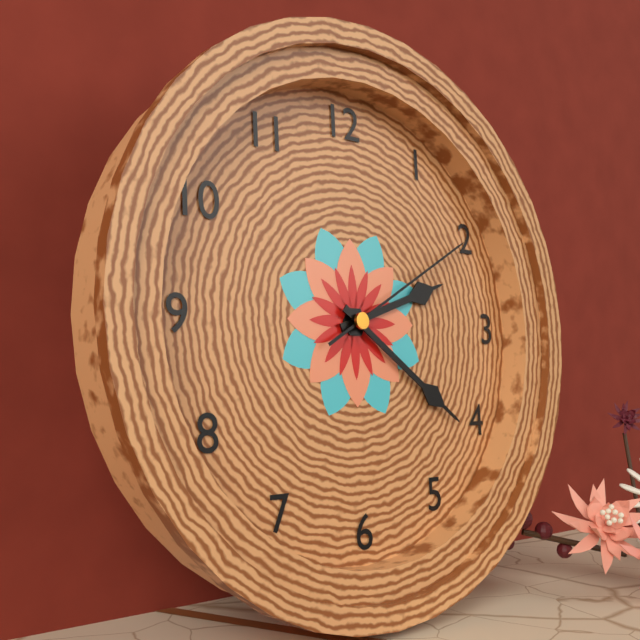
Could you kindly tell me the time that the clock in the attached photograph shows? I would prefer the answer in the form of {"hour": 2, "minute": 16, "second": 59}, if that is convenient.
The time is {"hour": 2, "minute": 21, "second": 10}
